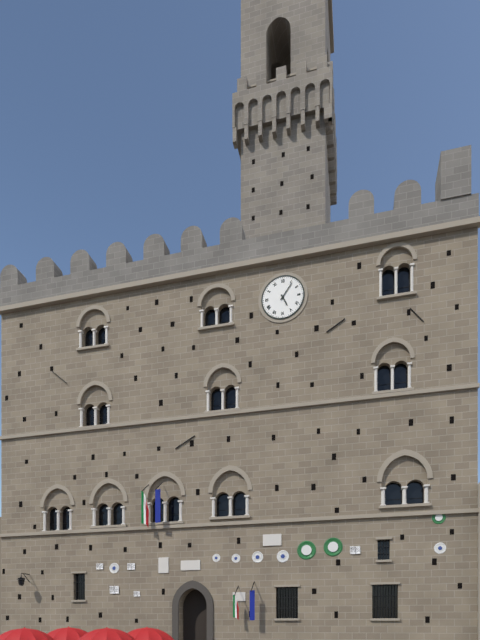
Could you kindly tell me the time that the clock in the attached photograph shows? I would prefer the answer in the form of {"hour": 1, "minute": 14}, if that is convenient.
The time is {"hour": 5, "minute": 6}
